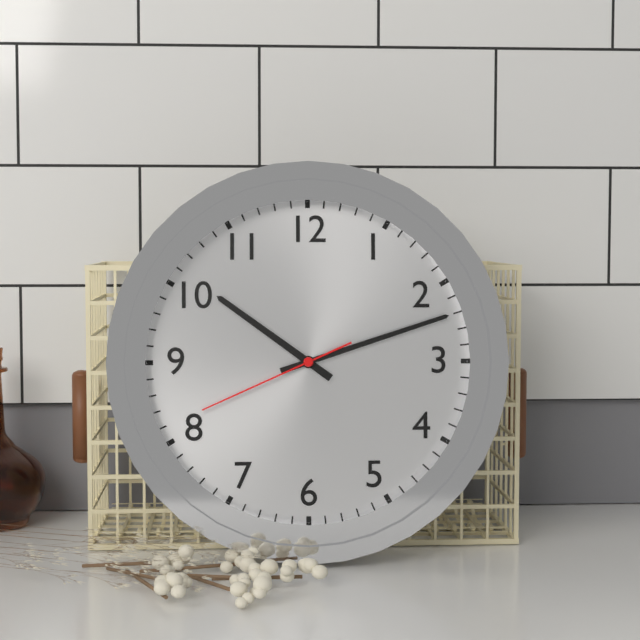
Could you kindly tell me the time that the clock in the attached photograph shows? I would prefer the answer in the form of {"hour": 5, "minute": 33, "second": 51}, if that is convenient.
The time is {"hour": 10, "minute": 12, "second": 41}
